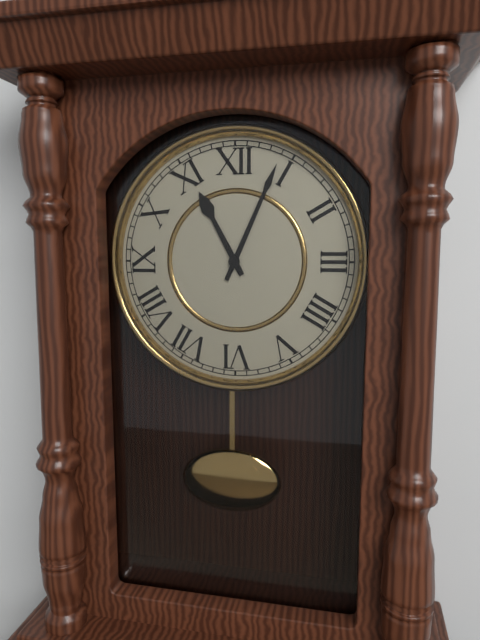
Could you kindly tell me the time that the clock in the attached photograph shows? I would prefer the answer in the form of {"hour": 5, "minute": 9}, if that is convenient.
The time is {"hour": 11, "minute": 4}
